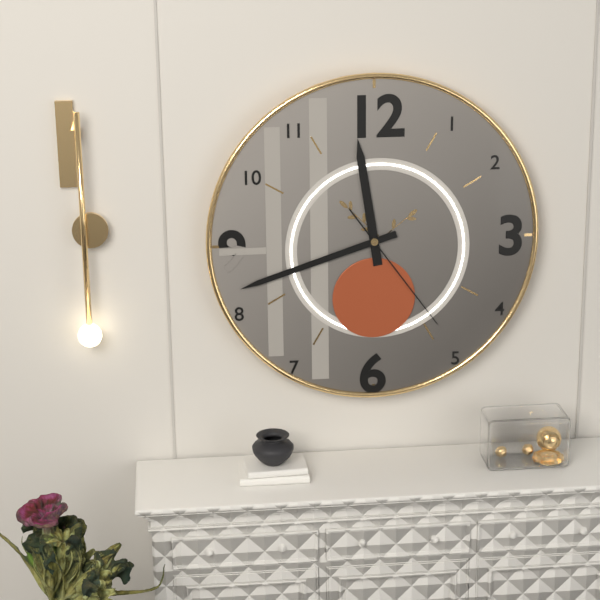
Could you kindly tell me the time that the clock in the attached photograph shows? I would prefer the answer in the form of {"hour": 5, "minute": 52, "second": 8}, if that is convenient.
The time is {"hour": 11, "minute": 42, "second": 24}
